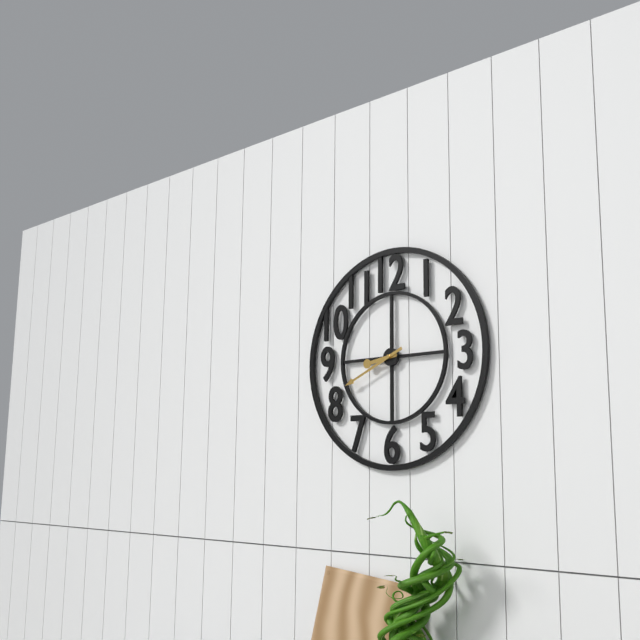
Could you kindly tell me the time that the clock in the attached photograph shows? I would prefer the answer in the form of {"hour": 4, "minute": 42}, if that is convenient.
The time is {"hour": 8, "minute": 41}
